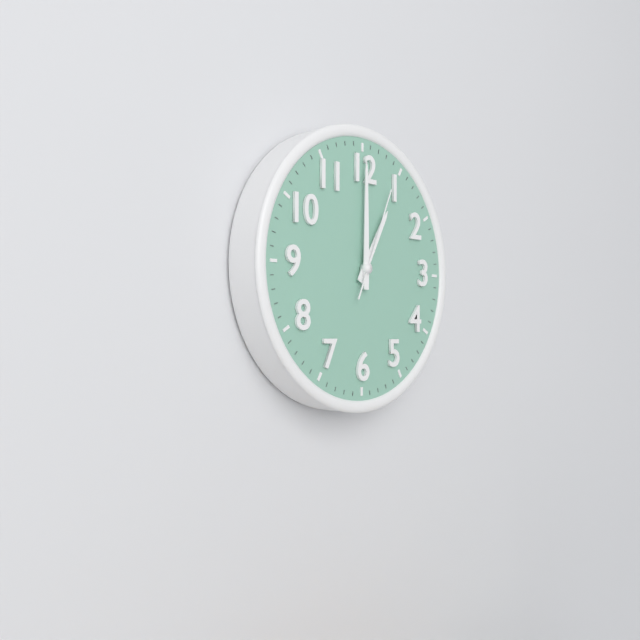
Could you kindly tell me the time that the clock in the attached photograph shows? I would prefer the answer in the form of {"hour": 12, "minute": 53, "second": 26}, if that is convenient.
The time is {"hour": 1, "minute": 0, "second": 4}
